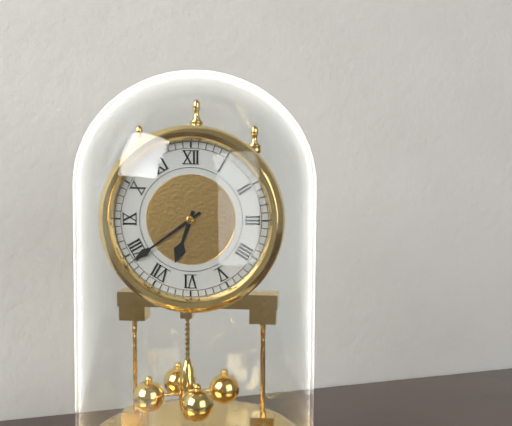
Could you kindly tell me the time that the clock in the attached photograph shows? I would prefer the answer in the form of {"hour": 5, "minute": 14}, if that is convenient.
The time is {"hour": 6, "minute": 39}
